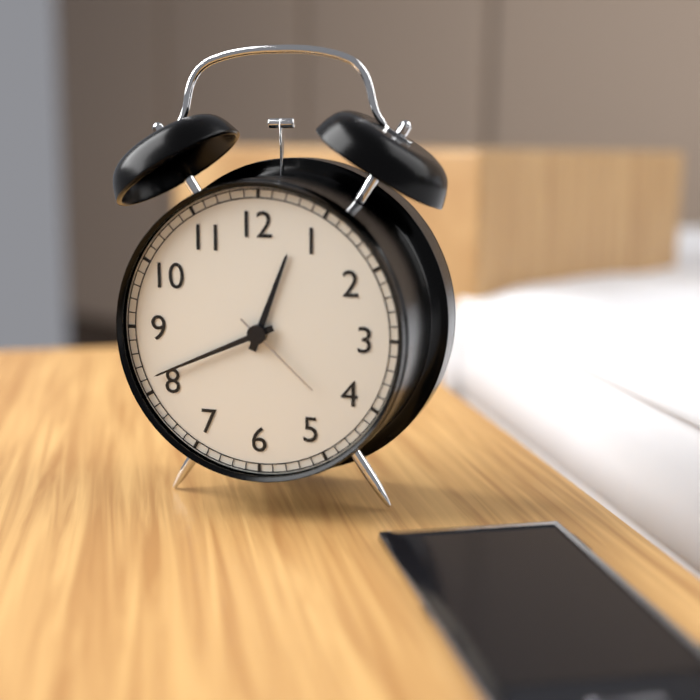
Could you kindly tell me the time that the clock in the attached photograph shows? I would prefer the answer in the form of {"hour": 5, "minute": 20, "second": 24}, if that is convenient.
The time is {"hour": 12, "minute": 41, "second": 22}
